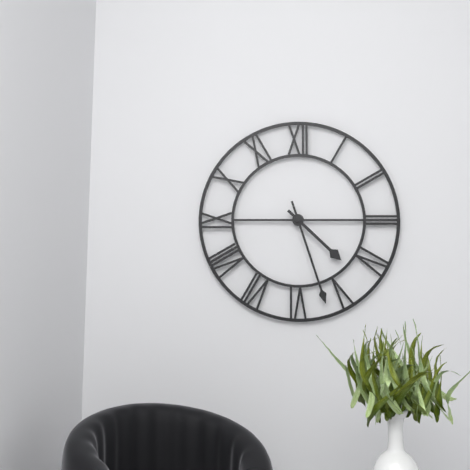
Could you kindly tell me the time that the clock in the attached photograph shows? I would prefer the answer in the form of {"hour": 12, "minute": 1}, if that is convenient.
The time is {"hour": 4, "minute": 27}
